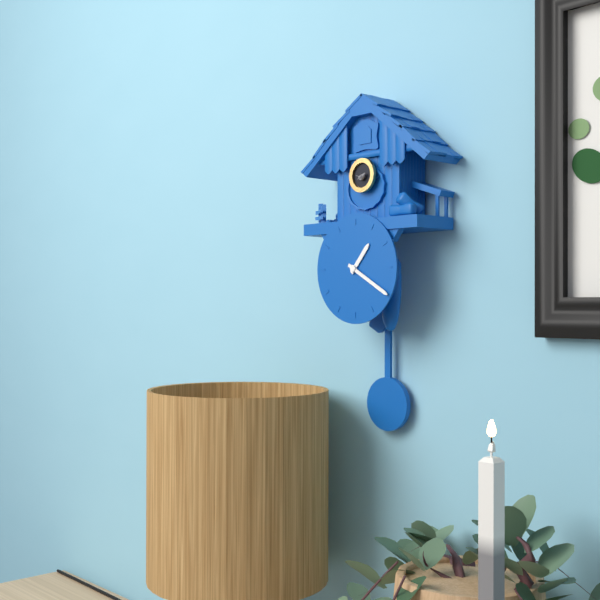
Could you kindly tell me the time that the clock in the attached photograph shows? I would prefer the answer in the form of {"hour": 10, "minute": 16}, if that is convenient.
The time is {"hour": 1, "minute": 20}
